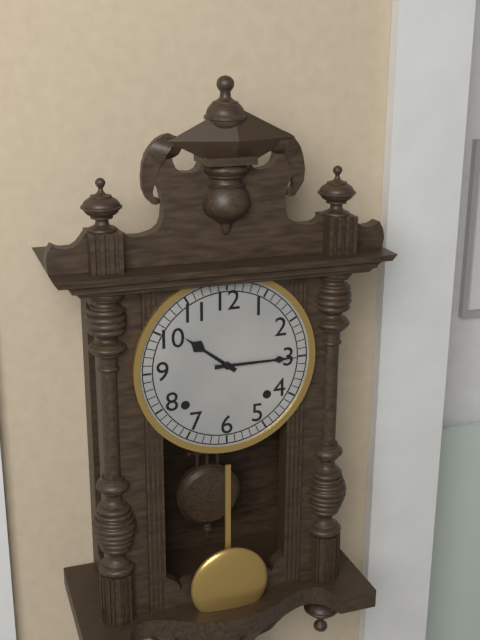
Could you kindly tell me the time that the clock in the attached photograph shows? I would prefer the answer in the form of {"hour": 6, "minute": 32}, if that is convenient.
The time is {"hour": 10, "minute": 15}
